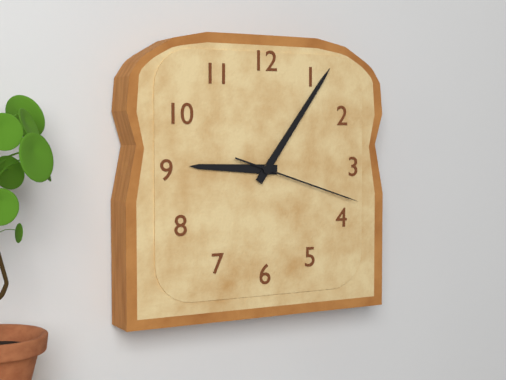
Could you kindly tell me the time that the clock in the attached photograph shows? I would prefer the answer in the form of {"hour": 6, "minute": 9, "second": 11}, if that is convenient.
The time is {"hour": 9, "minute": 6, "second": 18}
